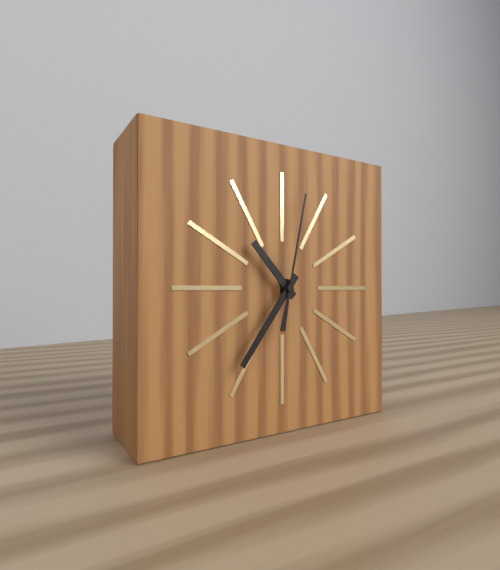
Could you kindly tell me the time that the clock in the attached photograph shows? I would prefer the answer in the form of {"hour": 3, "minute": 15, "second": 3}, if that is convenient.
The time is {"hour": 10, "minute": 36, "second": 2}
